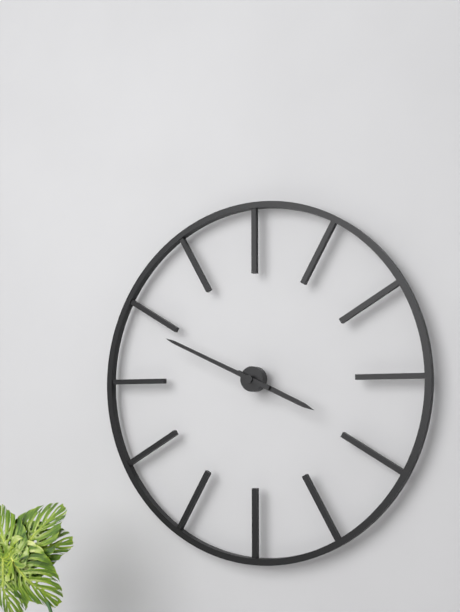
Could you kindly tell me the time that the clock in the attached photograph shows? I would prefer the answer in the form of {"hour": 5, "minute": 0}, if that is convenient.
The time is {"hour": 3, "minute": 49}
